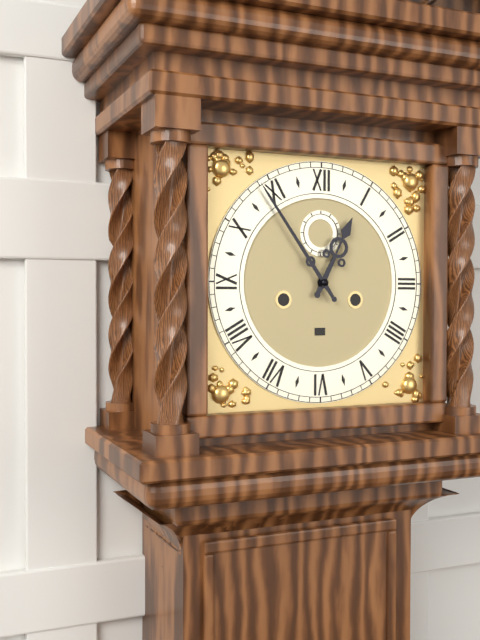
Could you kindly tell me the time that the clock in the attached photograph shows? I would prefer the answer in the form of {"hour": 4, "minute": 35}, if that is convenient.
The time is {"hour": 12, "minute": 54}
